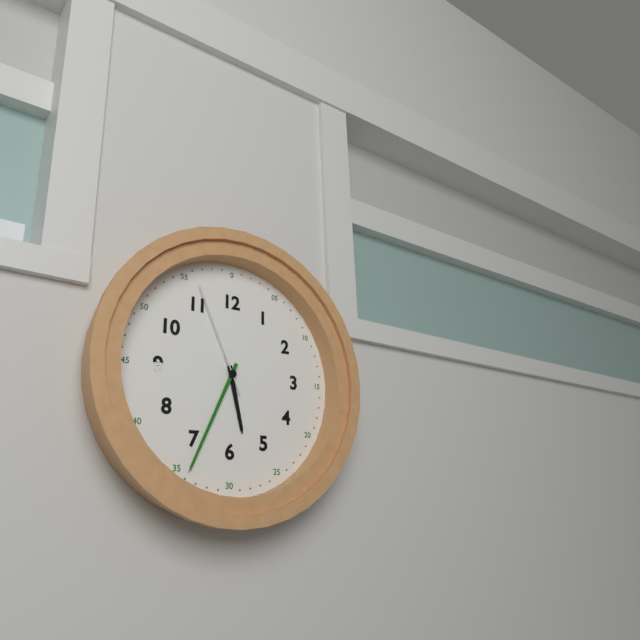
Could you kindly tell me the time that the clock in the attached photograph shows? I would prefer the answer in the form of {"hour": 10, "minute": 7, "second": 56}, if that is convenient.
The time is {"hour": 5, "minute": 34, "second": 56}
